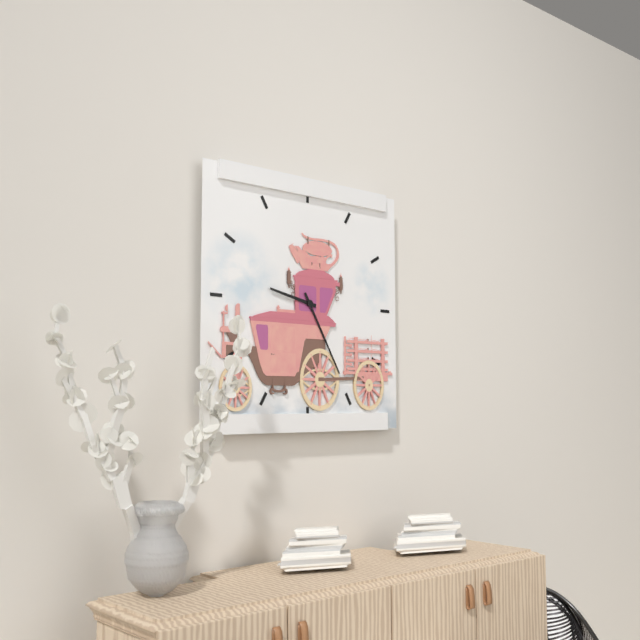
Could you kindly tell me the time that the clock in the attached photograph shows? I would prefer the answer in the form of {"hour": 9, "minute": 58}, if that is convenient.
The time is {"hour": 9, "minute": 25}
